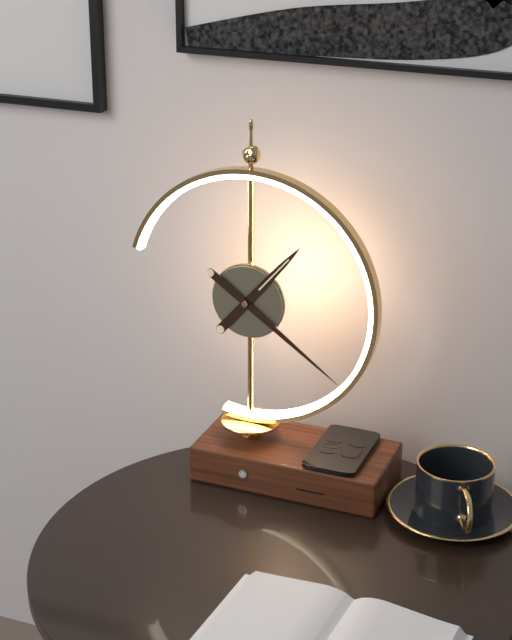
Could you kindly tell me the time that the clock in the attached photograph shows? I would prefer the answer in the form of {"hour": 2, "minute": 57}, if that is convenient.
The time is {"hour": 1, "minute": 21}
